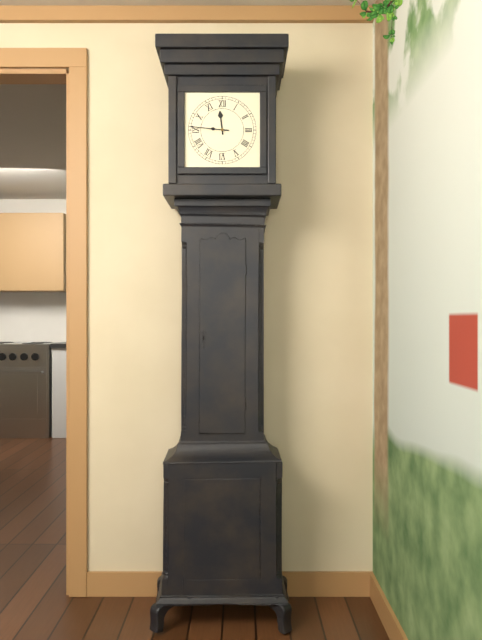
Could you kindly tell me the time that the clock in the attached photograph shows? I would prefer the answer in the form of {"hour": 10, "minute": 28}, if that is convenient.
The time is {"hour": 11, "minute": 46}
